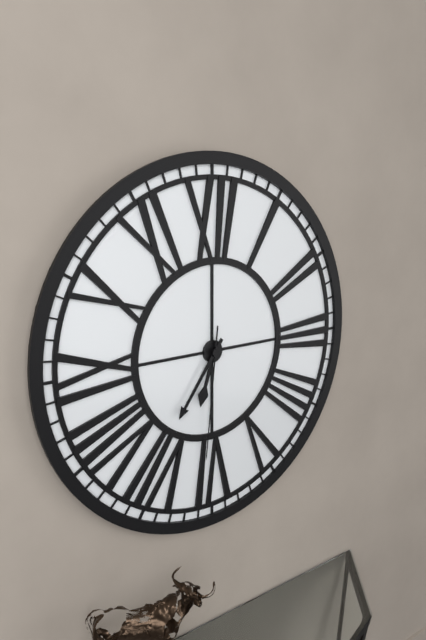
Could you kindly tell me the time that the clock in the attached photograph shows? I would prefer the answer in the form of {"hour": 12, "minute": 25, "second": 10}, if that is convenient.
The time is {"hour": 6, "minute": 36, "second": 31}
